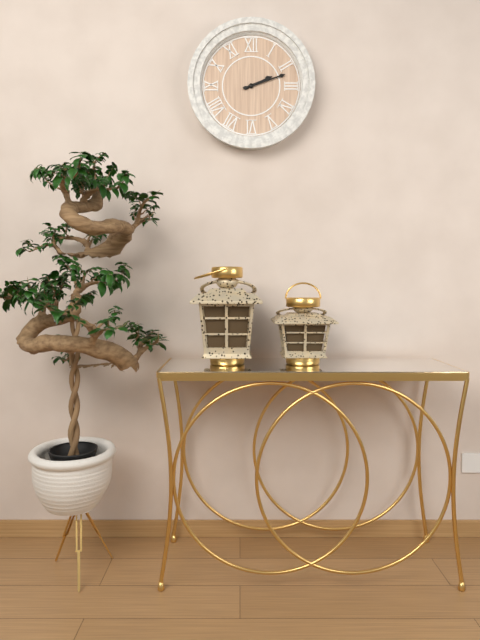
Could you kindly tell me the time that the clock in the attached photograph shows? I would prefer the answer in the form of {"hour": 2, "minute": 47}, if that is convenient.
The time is {"hour": 2, "minute": 12}
